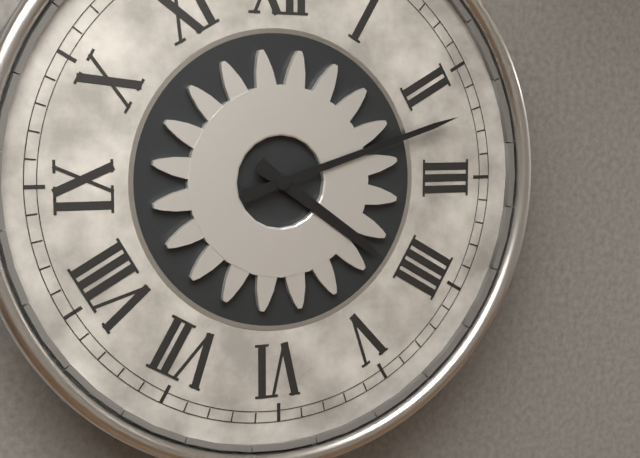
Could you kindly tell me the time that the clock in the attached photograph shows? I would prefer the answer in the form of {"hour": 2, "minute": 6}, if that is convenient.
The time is {"hour": 4, "minute": 12}
